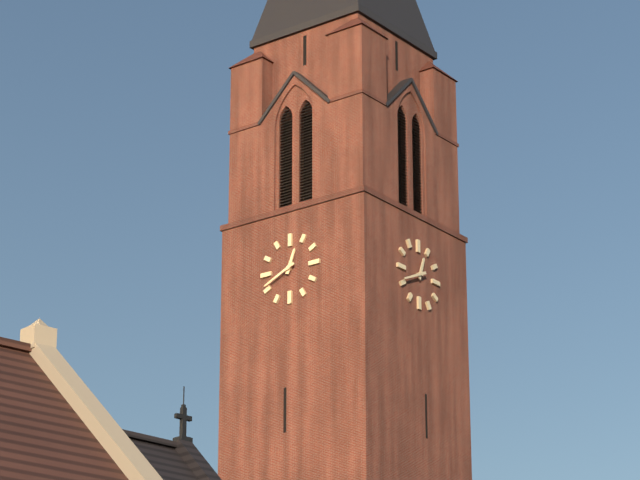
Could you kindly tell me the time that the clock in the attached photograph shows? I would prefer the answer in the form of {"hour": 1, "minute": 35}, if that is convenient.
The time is {"hour": 12, "minute": 41}
